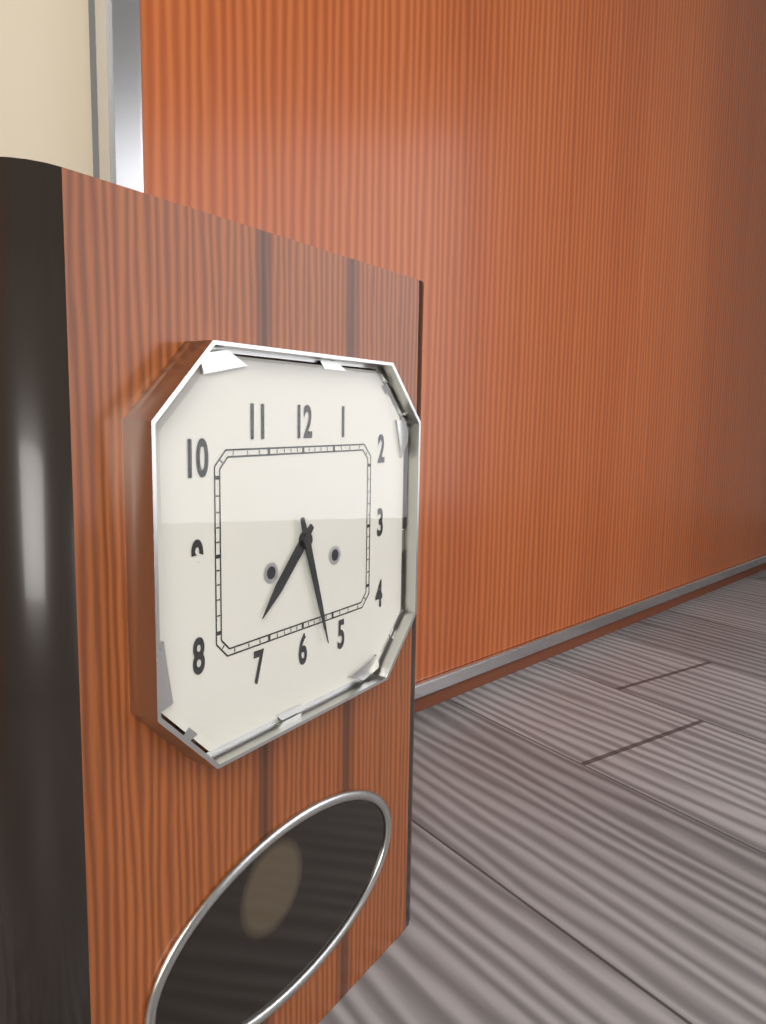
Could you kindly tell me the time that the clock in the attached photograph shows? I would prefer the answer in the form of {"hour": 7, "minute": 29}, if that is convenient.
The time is {"hour": 7, "minute": 27}
